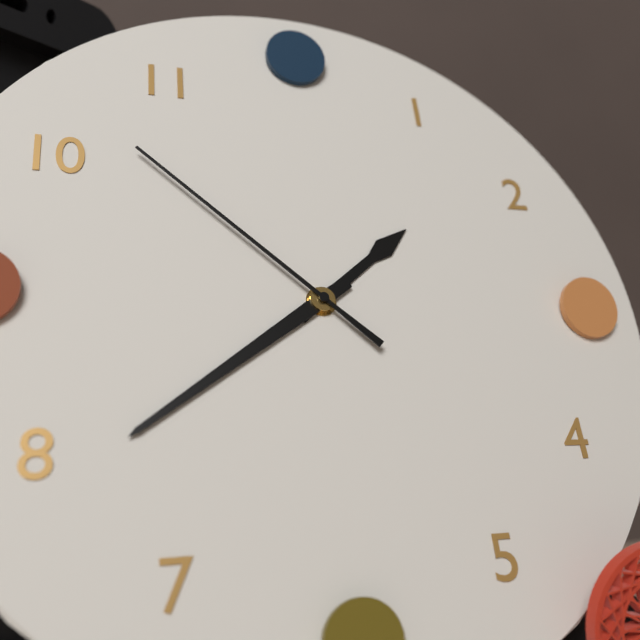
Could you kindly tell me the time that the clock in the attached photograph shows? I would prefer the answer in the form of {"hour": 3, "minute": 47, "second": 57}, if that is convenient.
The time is {"hour": 1, "minute": 39, "second": 52}
